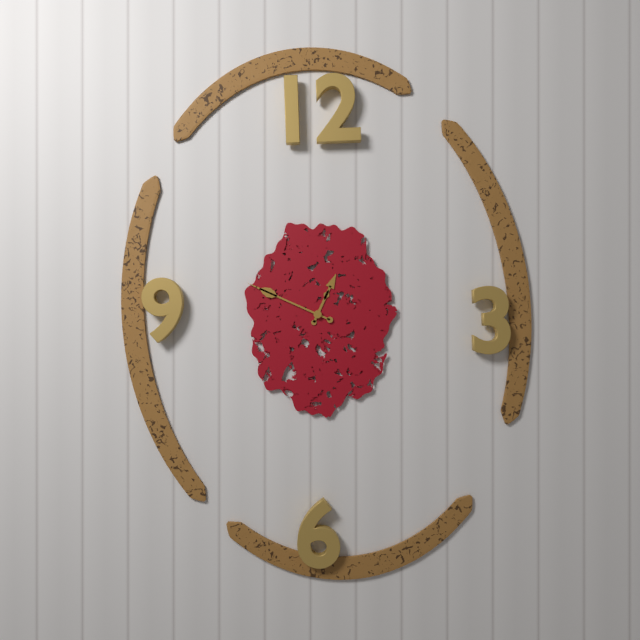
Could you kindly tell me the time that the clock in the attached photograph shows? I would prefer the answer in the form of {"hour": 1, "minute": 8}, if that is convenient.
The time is {"hour": 12, "minute": 49}
